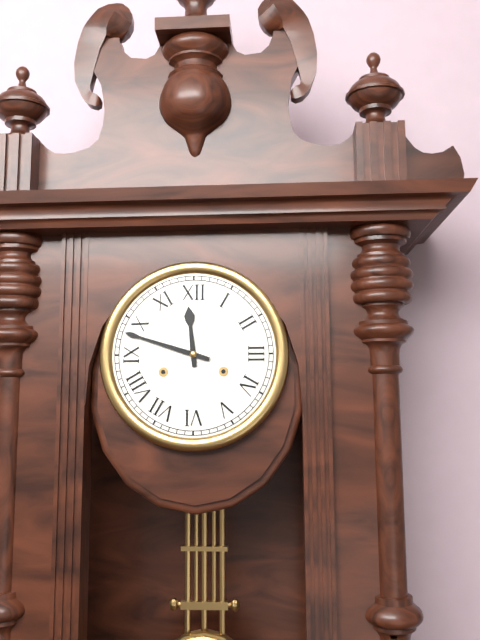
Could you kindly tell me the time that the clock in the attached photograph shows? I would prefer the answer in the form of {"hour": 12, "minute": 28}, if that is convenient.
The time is {"hour": 11, "minute": 48}
